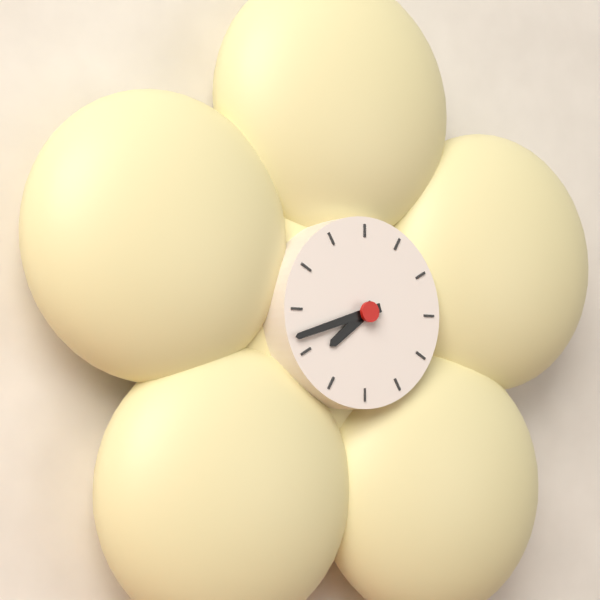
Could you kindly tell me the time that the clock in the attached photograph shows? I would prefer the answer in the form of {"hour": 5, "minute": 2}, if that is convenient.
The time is {"hour": 7, "minute": 42}
